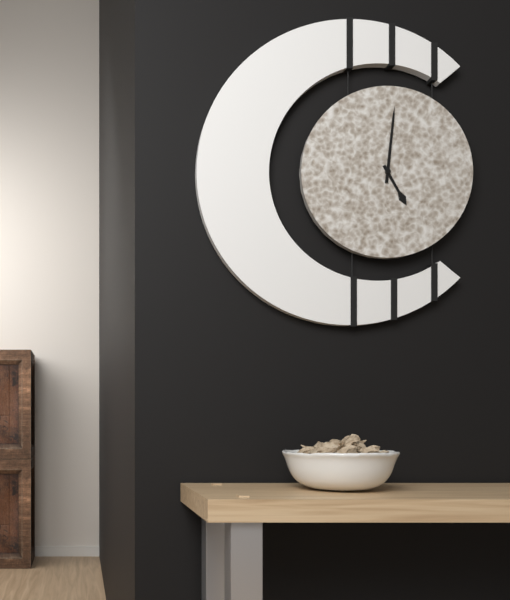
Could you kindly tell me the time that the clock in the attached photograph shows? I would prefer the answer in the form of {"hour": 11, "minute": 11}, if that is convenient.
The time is {"hour": 5, "minute": 1}
